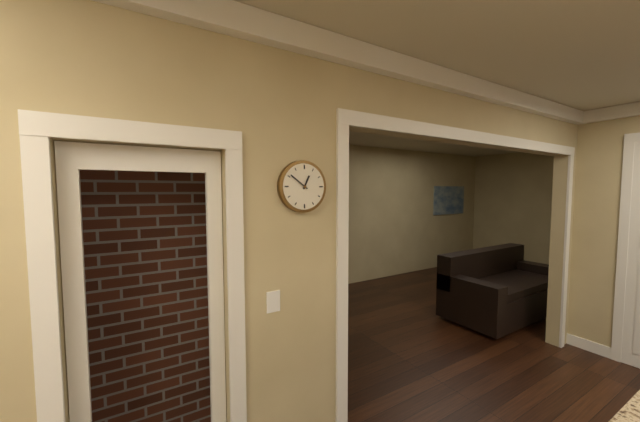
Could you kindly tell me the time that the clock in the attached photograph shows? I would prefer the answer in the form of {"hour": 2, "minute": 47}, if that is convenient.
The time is {"hour": 12, "minute": 51}
